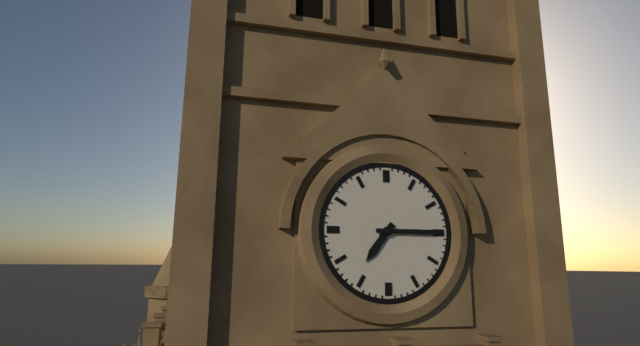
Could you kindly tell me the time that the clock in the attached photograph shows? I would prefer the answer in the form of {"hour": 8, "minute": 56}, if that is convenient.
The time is {"hour": 7, "minute": 15}
